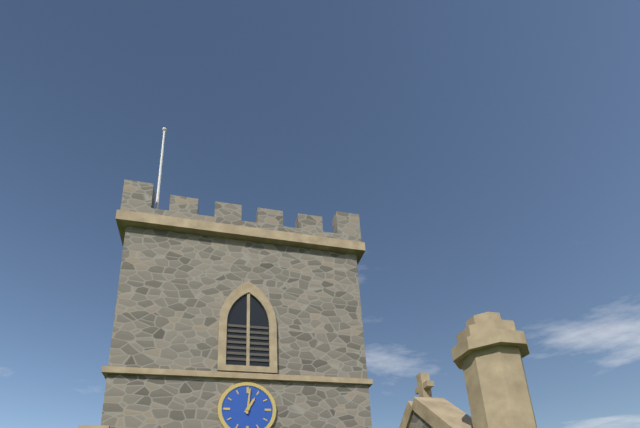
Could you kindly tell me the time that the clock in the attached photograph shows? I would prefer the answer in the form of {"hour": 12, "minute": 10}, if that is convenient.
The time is {"hour": 1, "minute": 1}
